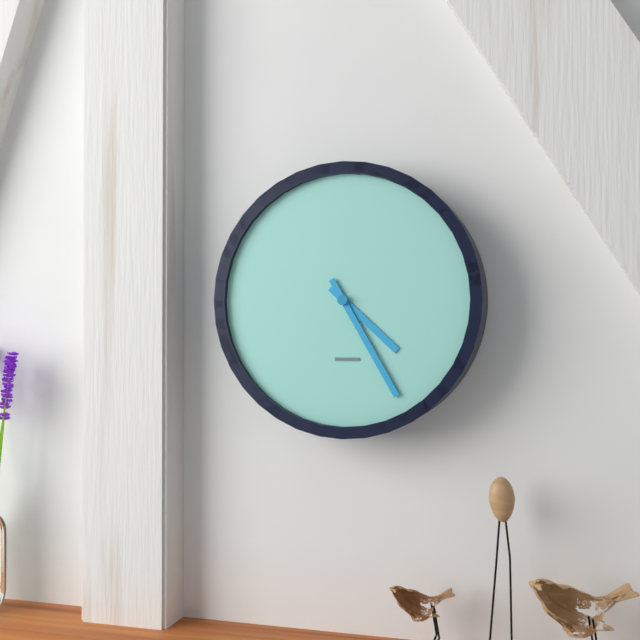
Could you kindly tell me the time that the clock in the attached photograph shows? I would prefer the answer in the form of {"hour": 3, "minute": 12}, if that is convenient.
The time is {"hour": 4, "minute": 25}
